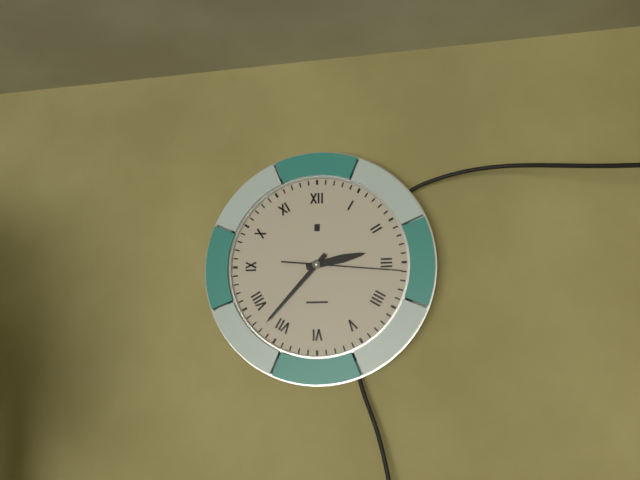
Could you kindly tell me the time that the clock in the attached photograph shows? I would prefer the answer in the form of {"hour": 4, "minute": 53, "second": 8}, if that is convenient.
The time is {"hour": 2, "minute": 37, "second": 16}
